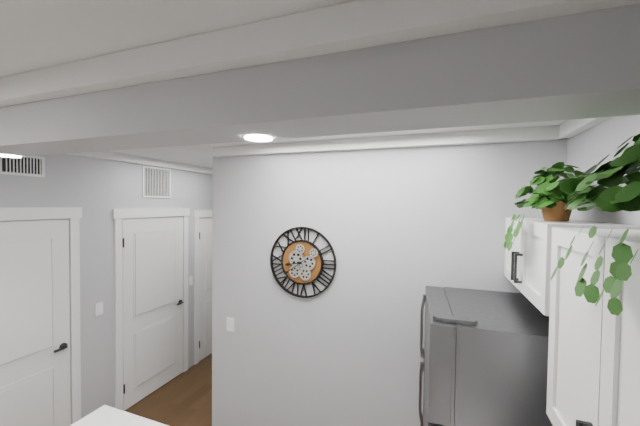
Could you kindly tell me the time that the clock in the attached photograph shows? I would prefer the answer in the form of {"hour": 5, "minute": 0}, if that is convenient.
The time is {"hour": 8, "minute": 39}
